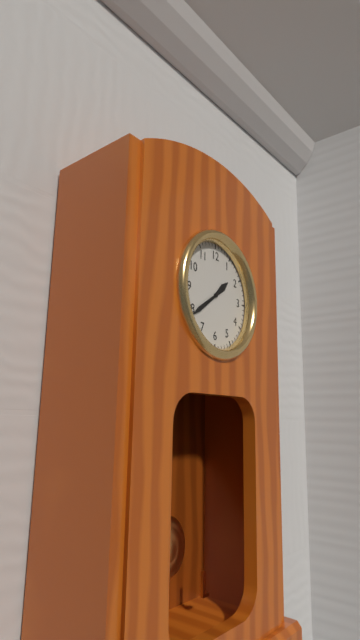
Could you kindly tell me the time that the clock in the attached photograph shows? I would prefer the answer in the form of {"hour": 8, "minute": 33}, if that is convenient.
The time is {"hour": 1, "minute": 39}
